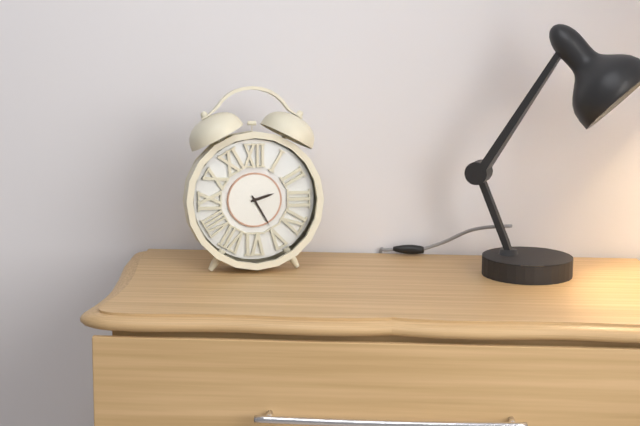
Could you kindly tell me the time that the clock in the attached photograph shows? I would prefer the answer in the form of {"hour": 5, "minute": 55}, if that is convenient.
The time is {"hour": 2, "minute": 25}
